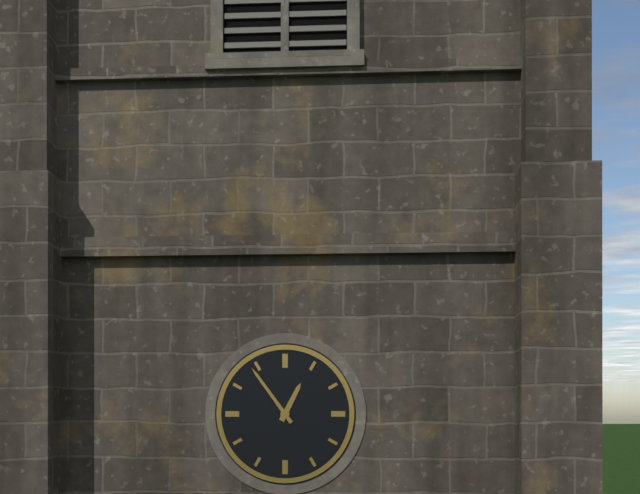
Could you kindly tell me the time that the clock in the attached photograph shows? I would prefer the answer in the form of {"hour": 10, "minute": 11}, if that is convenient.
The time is {"hour": 12, "minute": 54}
